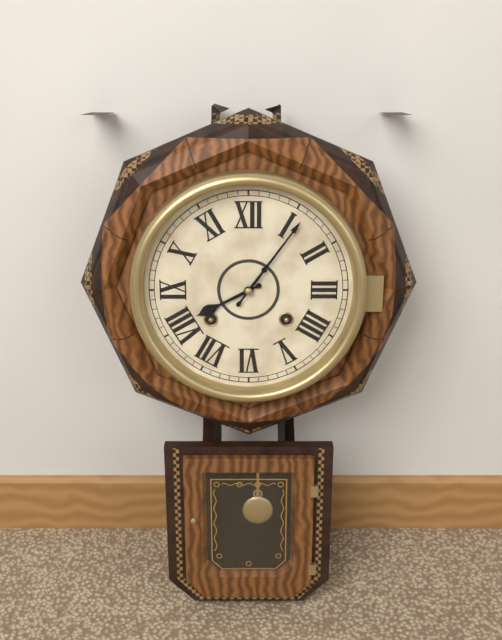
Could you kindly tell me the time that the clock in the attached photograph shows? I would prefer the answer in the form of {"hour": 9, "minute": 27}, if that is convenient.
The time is {"hour": 8, "minute": 6}
